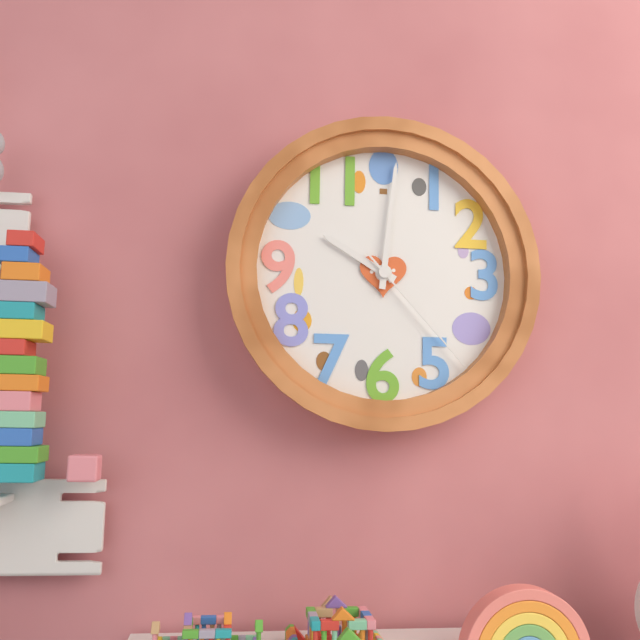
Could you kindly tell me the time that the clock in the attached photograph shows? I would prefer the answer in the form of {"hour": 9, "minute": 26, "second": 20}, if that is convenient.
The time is {"hour": 10, "minute": 1, "second": 23}
